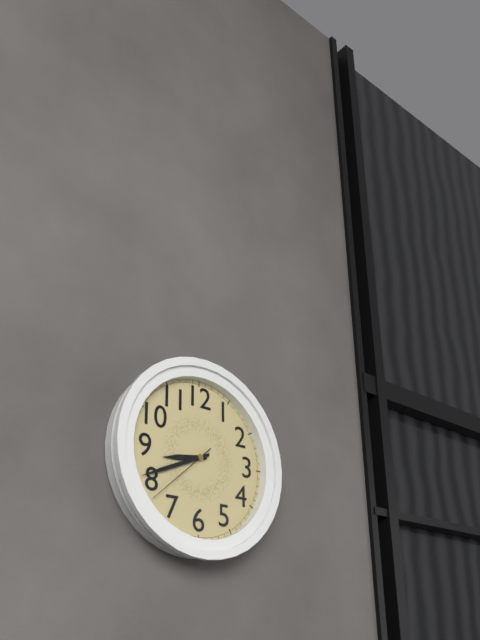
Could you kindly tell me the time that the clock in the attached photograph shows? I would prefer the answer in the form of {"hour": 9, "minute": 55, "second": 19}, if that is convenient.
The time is {"hour": 8, "minute": 41, "second": 38}
